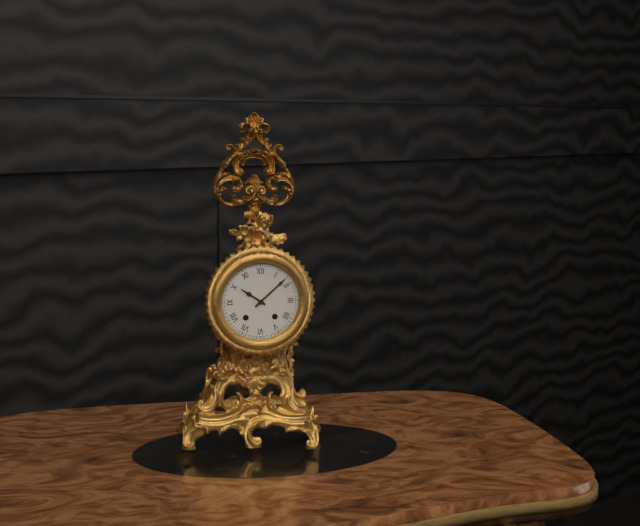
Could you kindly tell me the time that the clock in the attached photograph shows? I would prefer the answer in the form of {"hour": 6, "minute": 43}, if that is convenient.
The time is {"hour": 10, "minute": 8}
